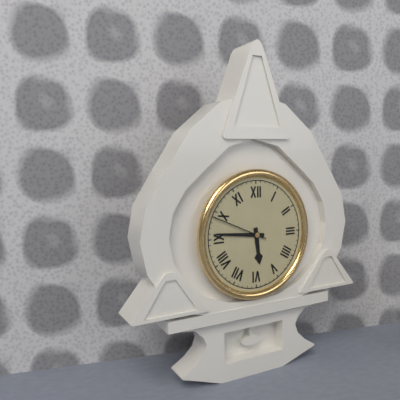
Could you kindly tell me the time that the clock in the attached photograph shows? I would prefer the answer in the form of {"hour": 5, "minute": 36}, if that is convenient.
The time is {"hour": 5, "minute": 46}
